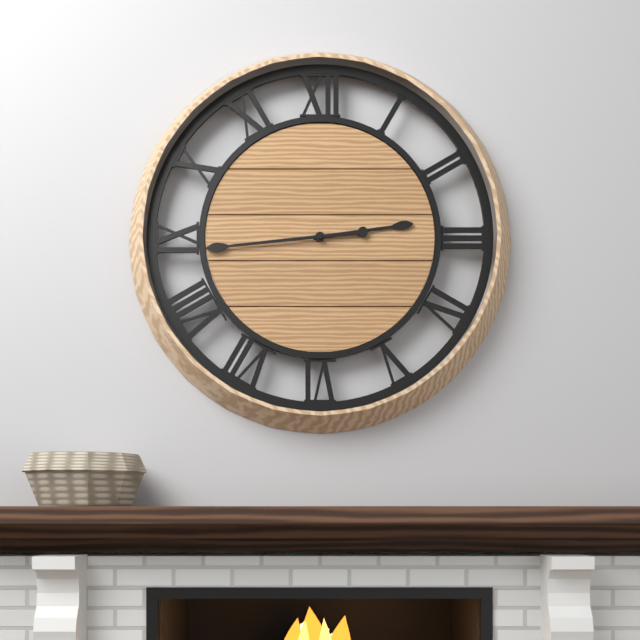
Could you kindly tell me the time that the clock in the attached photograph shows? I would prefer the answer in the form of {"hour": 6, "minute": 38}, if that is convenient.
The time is {"hour": 2, "minute": 44}
